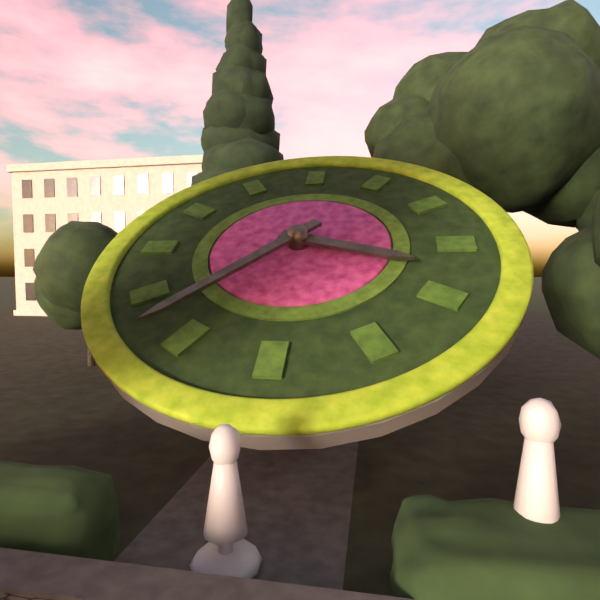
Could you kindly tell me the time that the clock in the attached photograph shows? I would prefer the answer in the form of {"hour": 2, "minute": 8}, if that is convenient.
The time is {"hour": 3, "minute": 37}
